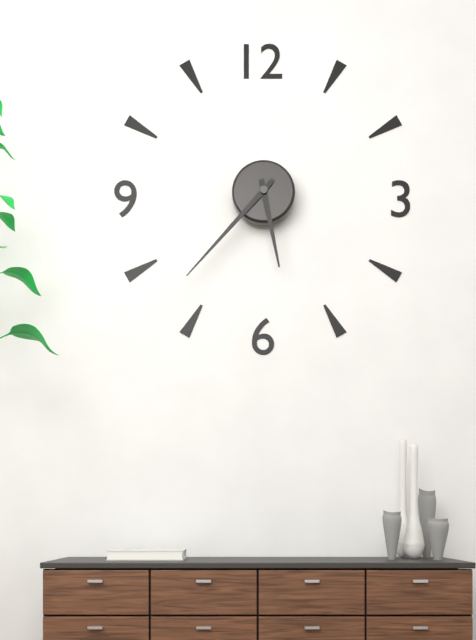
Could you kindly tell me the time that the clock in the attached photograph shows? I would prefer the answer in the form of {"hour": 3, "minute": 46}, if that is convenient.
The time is {"hour": 5, "minute": 37}
